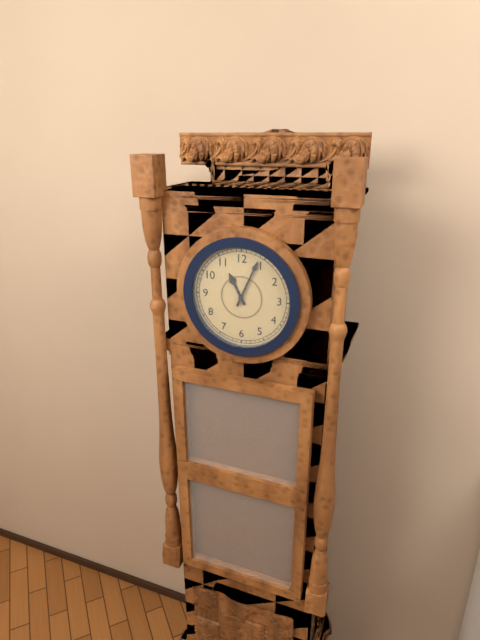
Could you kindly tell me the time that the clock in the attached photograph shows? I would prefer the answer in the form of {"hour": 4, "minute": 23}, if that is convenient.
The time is {"hour": 11, "minute": 4}
